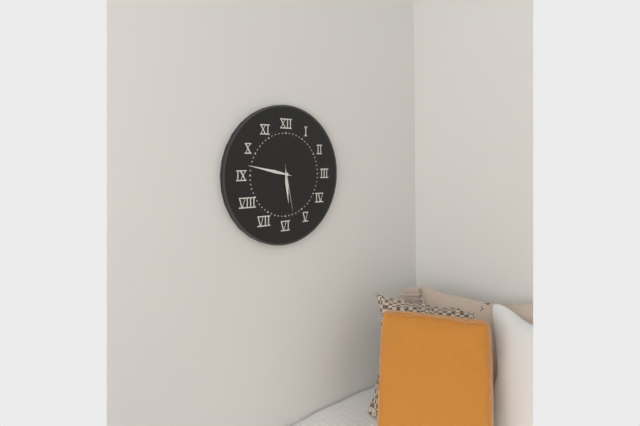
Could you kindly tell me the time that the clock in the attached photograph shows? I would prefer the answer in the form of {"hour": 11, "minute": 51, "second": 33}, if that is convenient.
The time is {"hour": 5, "minute": 47, "second": 28}
